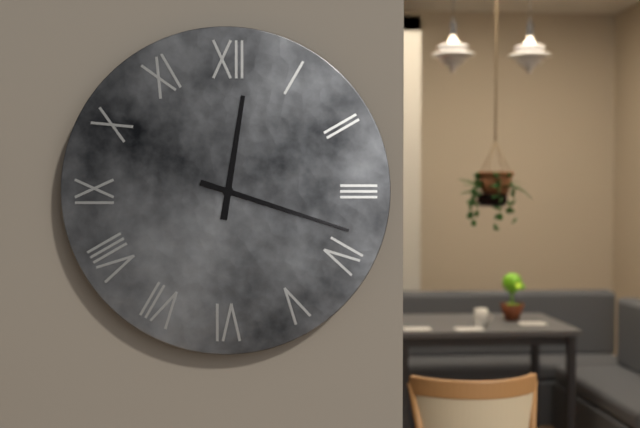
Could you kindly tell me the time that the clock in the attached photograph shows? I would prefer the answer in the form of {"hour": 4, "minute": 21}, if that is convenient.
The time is {"hour": 12, "minute": 18}
